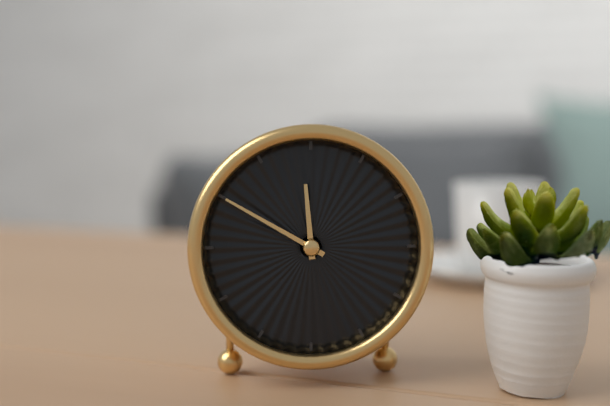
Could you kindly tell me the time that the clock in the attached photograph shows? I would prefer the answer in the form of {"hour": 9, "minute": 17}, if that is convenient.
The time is {"hour": 11, "minute": 50}
